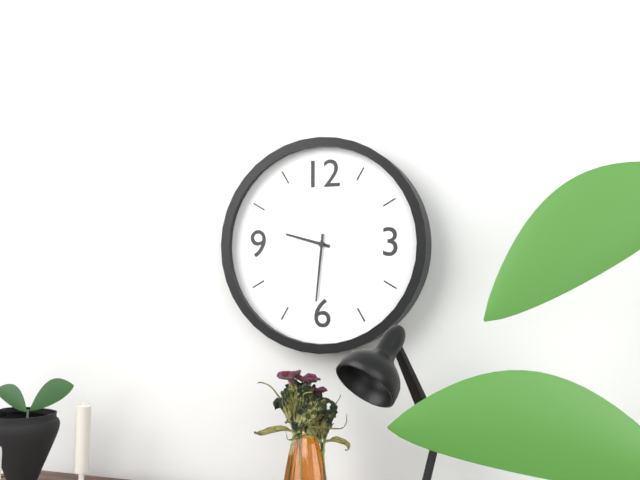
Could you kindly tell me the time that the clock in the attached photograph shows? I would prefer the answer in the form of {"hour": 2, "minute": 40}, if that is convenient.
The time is {"hour": 9, "minute": 31}
